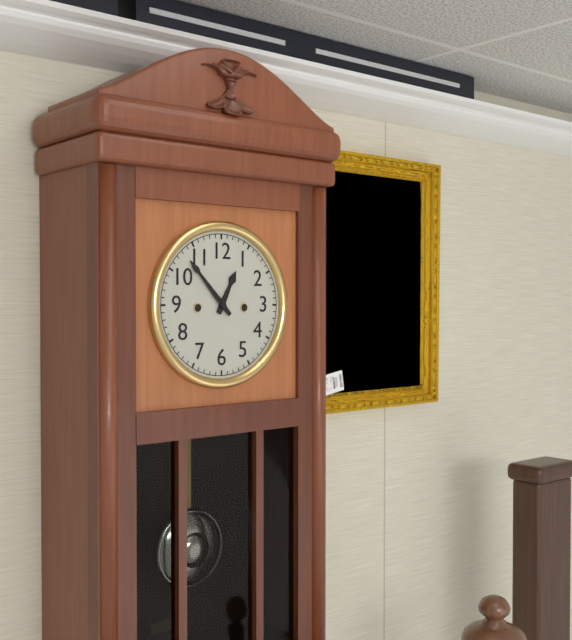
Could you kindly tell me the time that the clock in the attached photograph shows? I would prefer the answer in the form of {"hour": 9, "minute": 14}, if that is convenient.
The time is {"hour": 12, "minute": 53}
